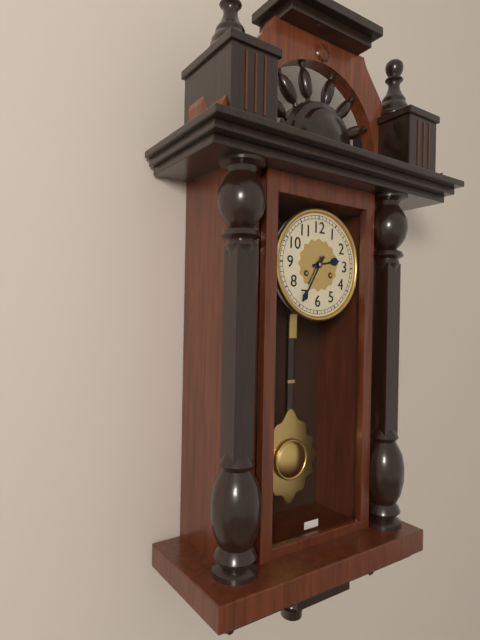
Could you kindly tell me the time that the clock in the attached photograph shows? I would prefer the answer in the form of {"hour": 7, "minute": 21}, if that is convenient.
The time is {"hour": 2, "minute": 35}
